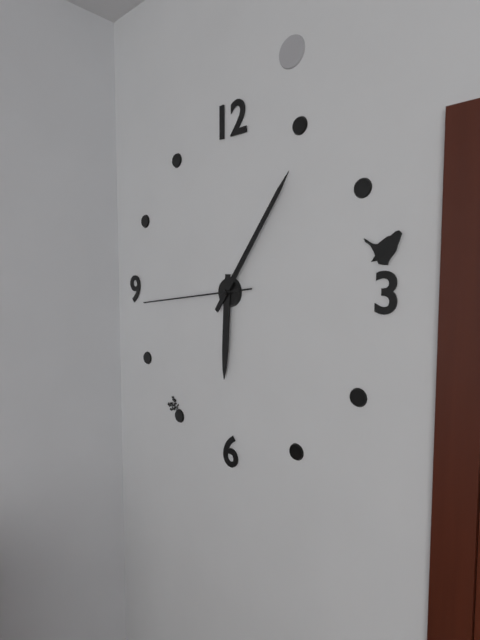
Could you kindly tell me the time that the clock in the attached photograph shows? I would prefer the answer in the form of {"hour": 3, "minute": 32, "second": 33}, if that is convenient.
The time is {"hour": 6, "minute": 6, "second": 44}
